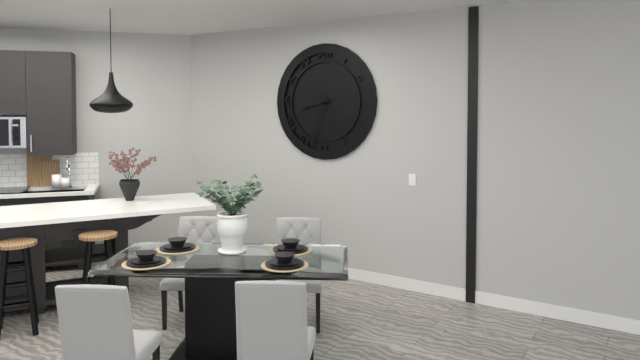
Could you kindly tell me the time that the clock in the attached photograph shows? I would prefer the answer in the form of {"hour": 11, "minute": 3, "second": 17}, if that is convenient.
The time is {"hour": 8, "minute": 33, "second": 25}
